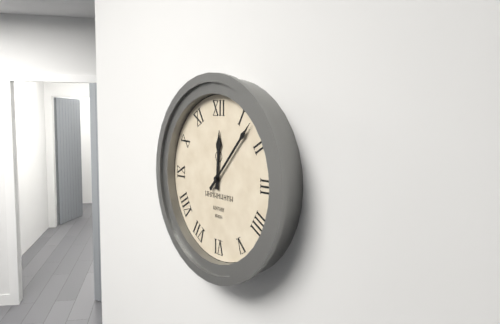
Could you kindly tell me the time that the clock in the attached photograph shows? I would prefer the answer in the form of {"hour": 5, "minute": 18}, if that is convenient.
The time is {"hour": 12, "minute": 7}
